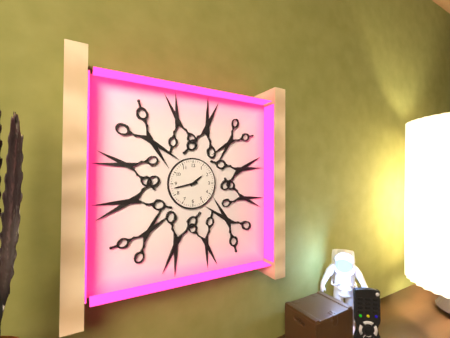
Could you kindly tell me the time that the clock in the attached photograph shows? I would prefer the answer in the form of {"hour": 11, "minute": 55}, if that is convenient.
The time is {"hour": 1, "minute": 43}
